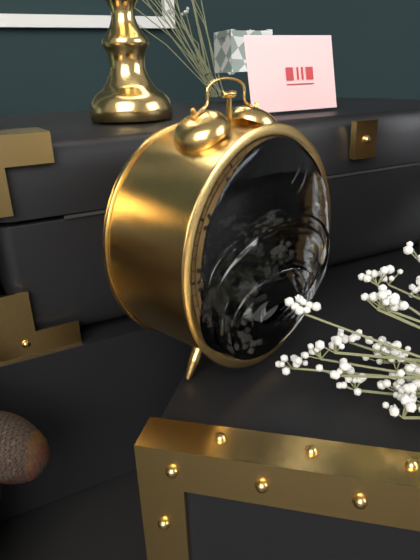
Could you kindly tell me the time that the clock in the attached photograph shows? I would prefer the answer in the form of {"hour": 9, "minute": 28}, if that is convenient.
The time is {"hour": 6, "minute": 13}
